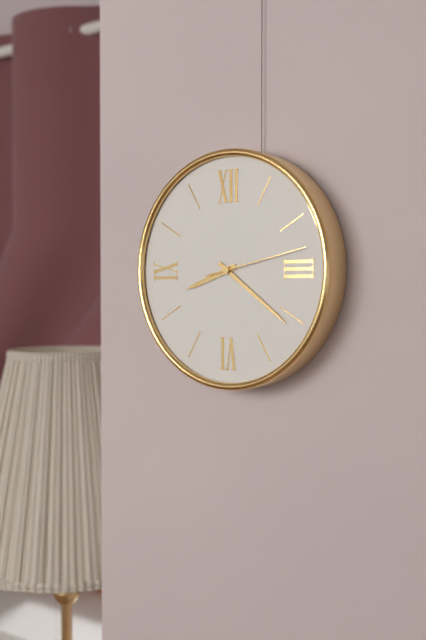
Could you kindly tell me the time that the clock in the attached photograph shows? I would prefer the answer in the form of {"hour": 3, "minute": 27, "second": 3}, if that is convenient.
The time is {"hour": 8, "minute": 21, "second": 13}
